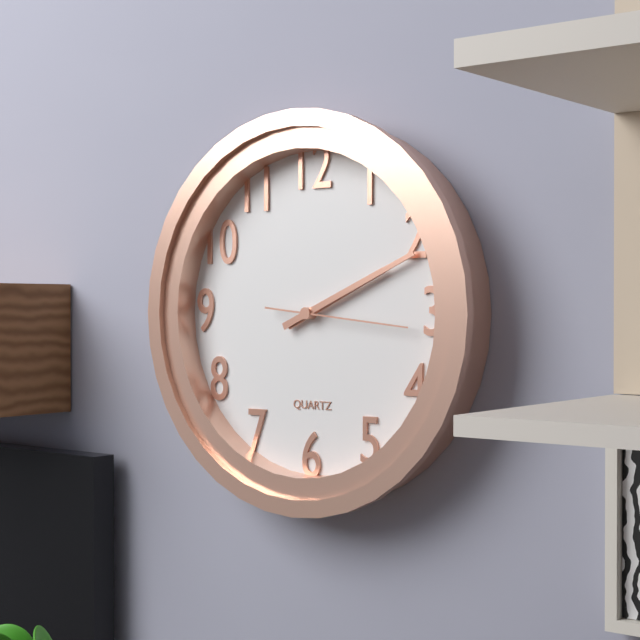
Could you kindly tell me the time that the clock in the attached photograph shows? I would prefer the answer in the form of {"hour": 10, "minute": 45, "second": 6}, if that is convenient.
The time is {"hour": 2, "minute": 11, "second": 16}
